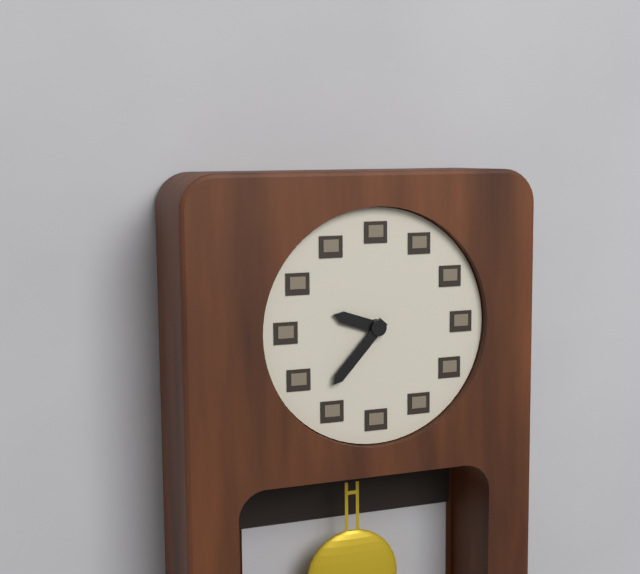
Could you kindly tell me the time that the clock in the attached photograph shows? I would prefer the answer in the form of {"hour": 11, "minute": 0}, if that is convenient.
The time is {"hour": 9, "minute": 37}
